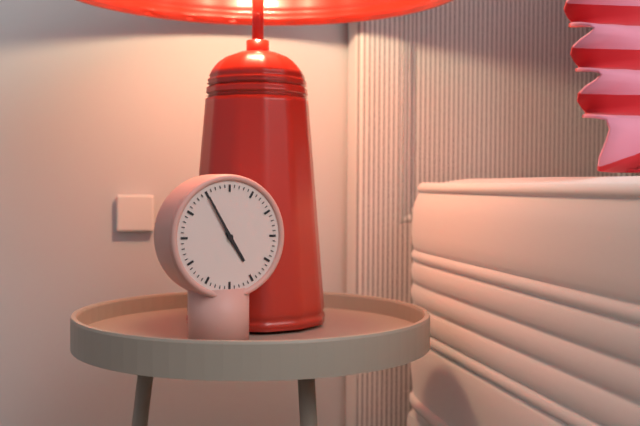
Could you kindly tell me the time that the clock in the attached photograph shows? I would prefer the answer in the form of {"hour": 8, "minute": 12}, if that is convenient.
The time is {"hour": 4, "minute": 55}
